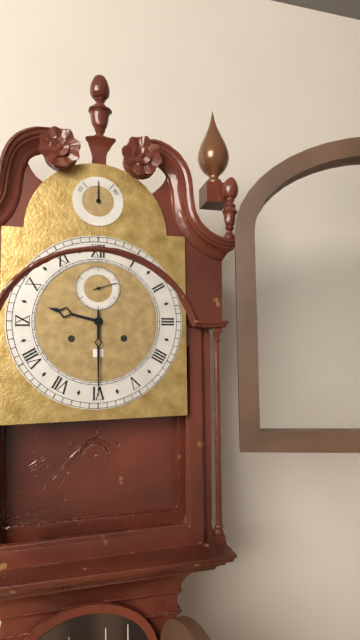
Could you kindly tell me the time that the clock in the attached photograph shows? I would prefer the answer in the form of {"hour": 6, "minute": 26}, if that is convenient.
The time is {"hour": 9, "minute": 30}
